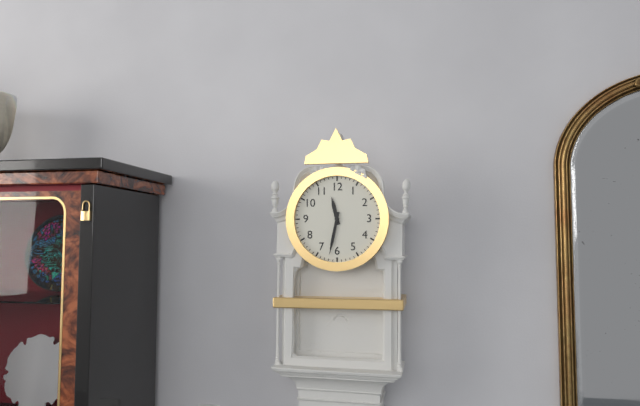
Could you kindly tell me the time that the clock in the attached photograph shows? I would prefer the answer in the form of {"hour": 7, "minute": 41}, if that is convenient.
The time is {"hour": 11, "minute": 32}
